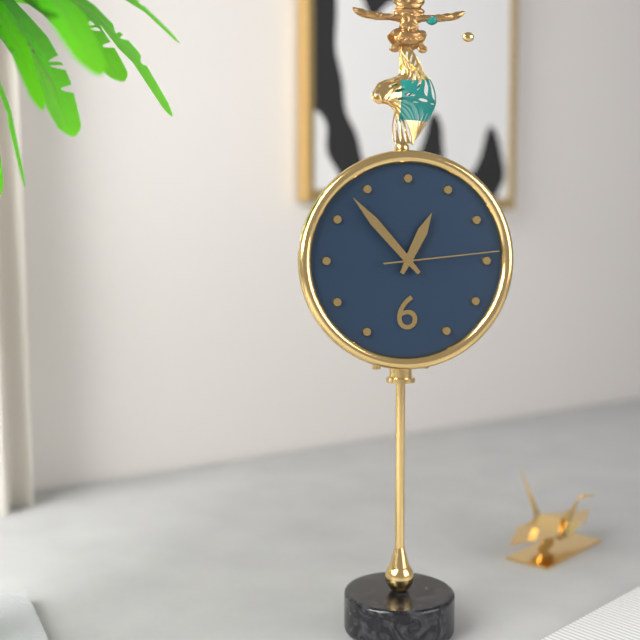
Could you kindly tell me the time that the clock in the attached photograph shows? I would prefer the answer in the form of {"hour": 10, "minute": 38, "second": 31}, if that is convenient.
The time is {"hour": 12, "minute": 53, "second": 14}
